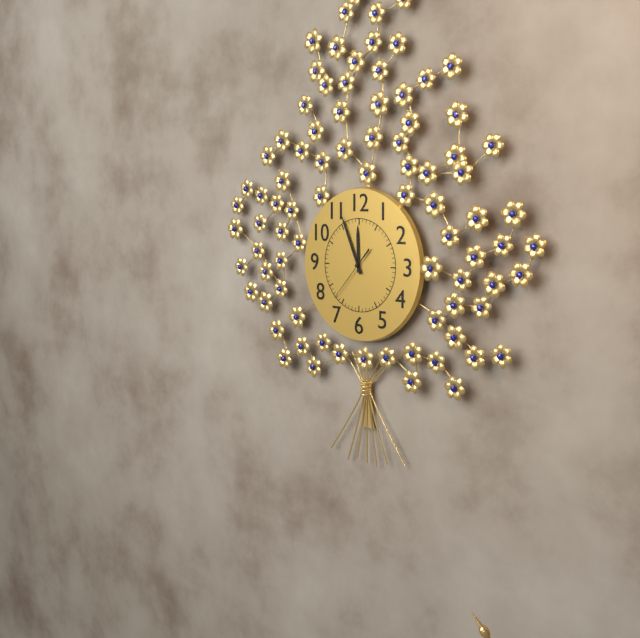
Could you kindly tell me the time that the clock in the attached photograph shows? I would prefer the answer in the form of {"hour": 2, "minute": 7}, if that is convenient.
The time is {"hour": 11, "minute": 56}
